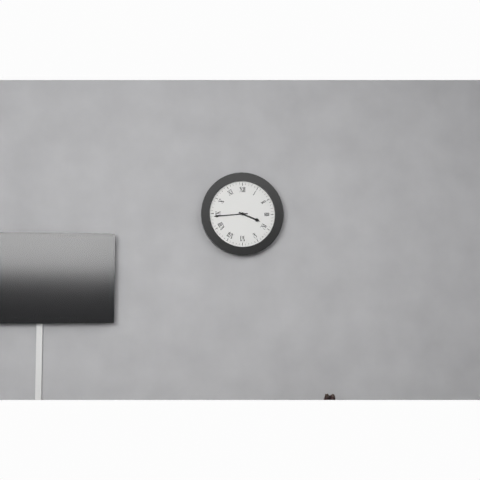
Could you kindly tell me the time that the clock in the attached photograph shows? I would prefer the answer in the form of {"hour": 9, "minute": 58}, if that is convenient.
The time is {"hour": 3, "minute": 44}
